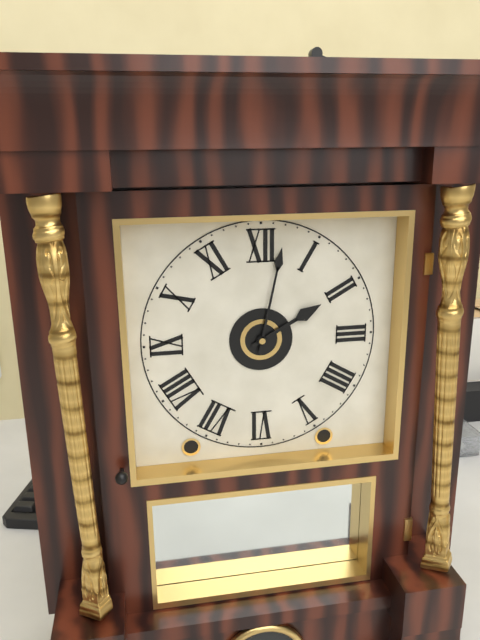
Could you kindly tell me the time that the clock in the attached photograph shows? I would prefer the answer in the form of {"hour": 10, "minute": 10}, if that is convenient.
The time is {"hour": 2, "minute": 2}
